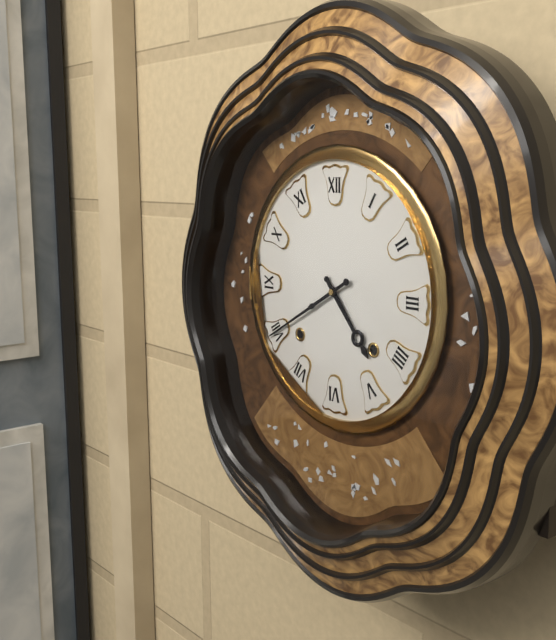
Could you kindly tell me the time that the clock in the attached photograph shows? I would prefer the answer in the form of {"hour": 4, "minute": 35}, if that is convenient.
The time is {"hour": 4, "minute": 40}
